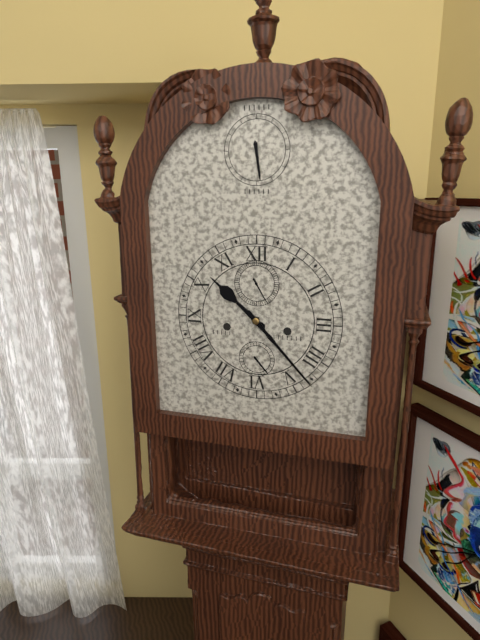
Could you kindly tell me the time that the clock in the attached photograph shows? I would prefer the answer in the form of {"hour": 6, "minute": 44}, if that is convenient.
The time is {"hour": 10, "minute": 23}
